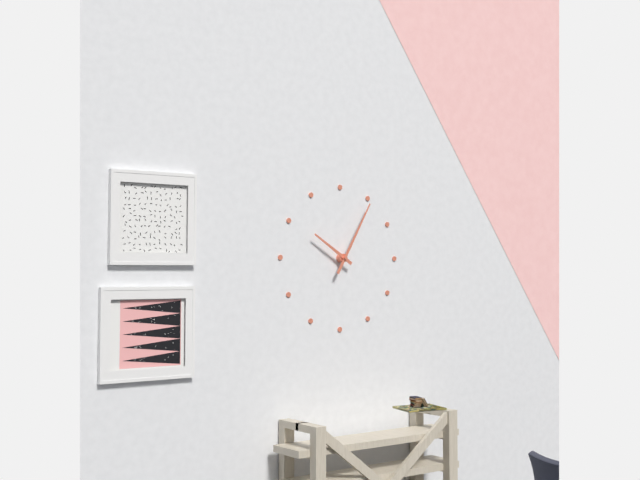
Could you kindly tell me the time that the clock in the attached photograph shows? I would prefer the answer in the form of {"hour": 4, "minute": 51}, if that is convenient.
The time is {"hour": 10, "minute": 5}
